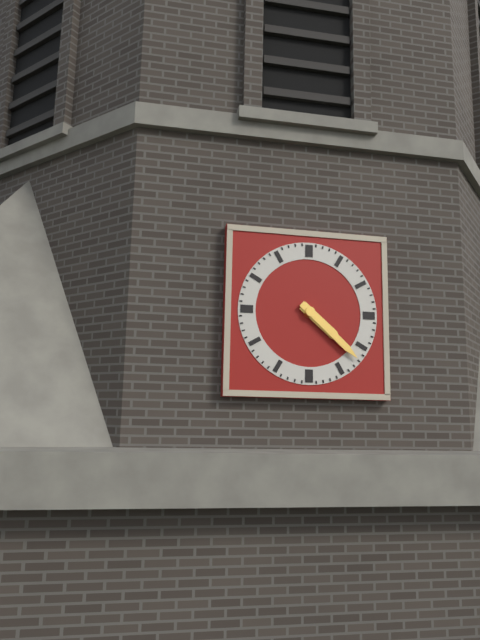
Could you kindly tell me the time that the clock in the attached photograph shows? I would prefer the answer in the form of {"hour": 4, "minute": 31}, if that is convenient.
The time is {"hour": 4, "minute": 22}
